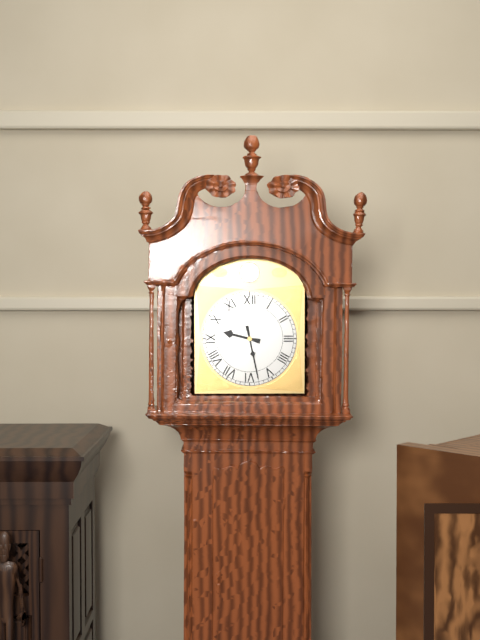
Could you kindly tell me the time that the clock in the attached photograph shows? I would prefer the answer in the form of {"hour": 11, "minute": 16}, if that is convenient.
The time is {"hour": 9, "minute": 28}
